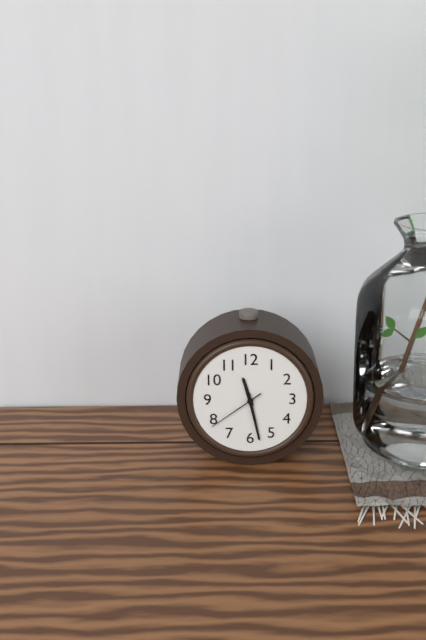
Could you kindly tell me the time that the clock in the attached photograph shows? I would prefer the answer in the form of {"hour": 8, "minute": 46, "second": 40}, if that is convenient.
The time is {"hour": 11, "minute": 28, "second": 39}
